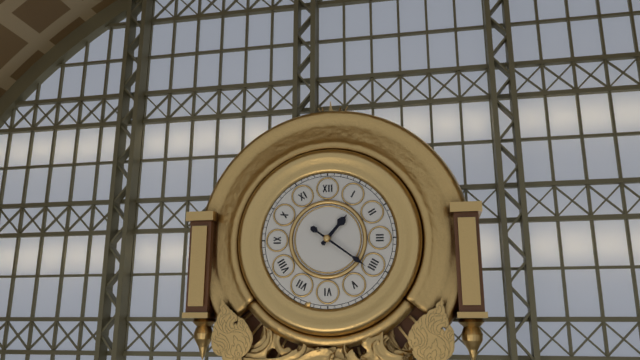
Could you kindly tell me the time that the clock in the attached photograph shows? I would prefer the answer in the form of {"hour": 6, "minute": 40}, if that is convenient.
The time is {"hour": 1, "minute": 21}
